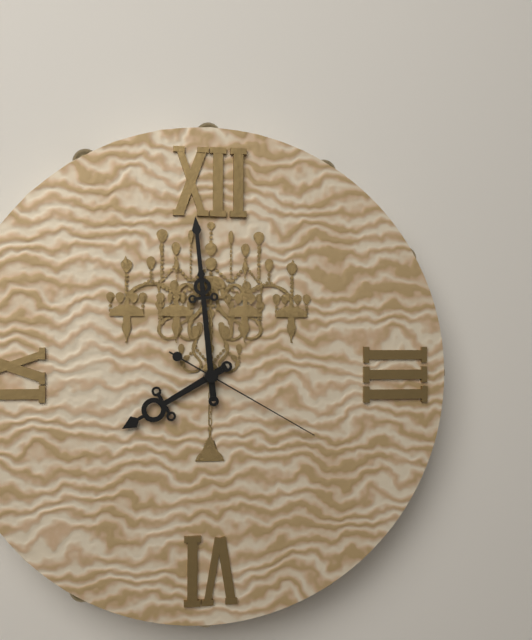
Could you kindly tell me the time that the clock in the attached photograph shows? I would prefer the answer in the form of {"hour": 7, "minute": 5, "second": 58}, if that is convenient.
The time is {"hour": 7, "minute": 59, "second": 20}
